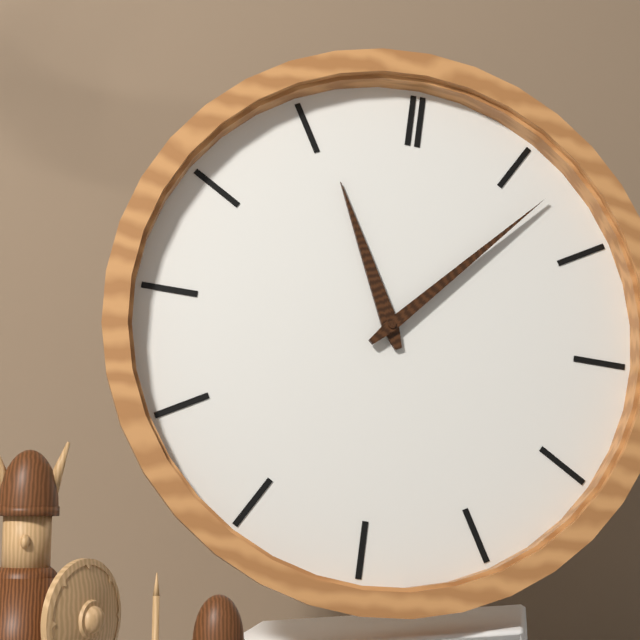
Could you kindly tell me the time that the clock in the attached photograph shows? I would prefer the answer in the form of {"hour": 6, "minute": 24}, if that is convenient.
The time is {"hour": 11, "minute": 7}
